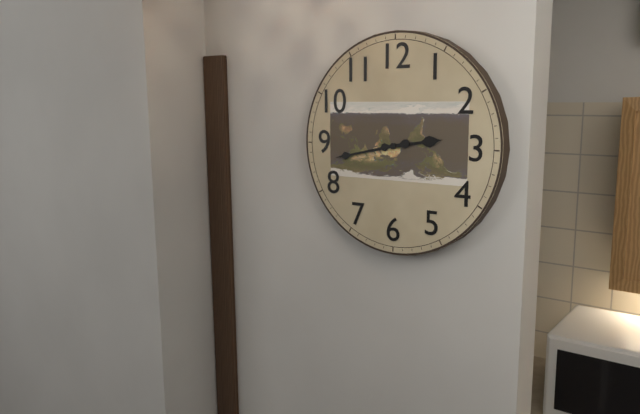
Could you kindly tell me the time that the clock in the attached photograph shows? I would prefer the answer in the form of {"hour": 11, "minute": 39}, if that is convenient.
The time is {"hour": 2, "minute": 43}
